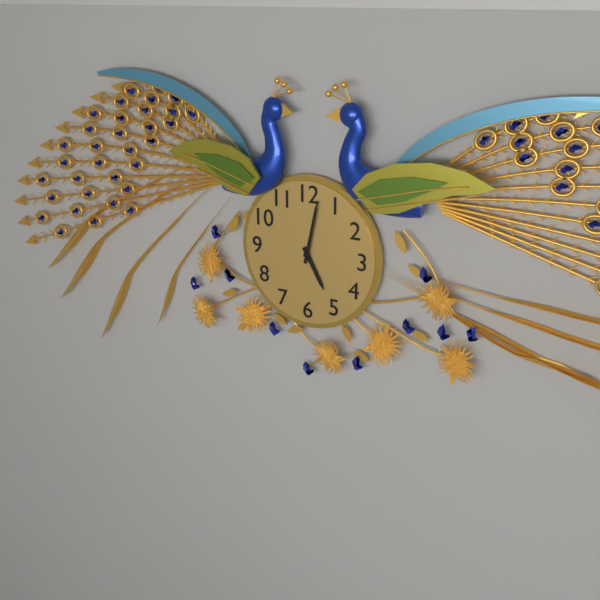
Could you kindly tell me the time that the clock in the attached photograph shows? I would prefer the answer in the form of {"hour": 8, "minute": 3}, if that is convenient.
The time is {"hour": 5, "minute": 2}
